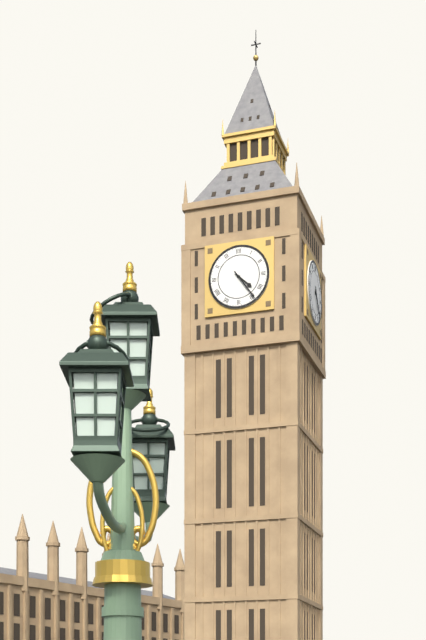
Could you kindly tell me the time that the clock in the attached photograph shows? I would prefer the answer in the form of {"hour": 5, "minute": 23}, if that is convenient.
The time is {"hour": 4, "minute": 24}
